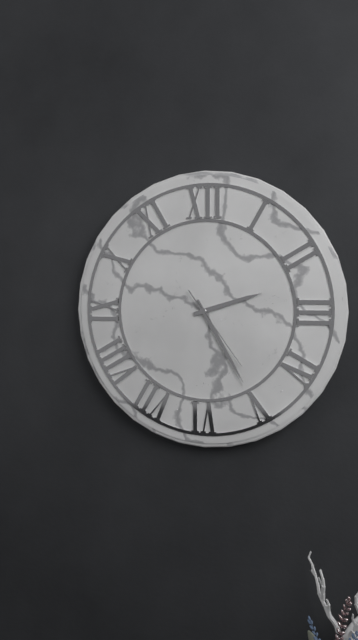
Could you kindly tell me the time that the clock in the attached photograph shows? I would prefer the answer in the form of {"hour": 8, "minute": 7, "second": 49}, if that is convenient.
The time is {"hour": 2, "minute": 25, "second": 24}
